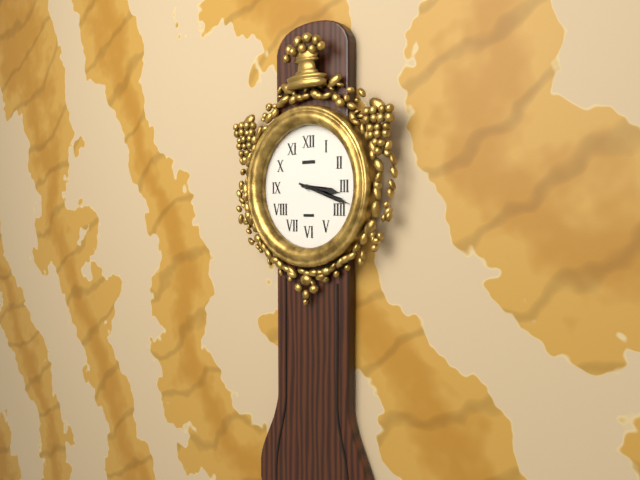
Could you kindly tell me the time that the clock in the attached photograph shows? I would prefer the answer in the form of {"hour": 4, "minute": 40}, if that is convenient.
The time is {"hour": 3, "minute": 18}
